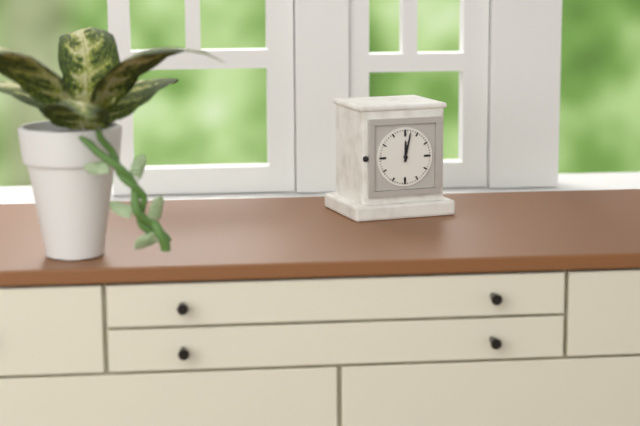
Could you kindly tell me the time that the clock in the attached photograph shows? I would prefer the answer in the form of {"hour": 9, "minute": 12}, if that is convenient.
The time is {"hour": 12, "minute": 2}
